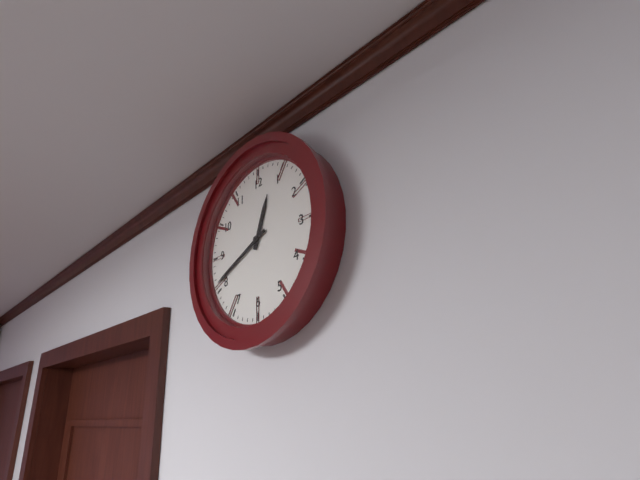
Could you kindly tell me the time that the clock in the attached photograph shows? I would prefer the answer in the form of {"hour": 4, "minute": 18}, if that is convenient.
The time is {"hour": 12, "minute": 41}
